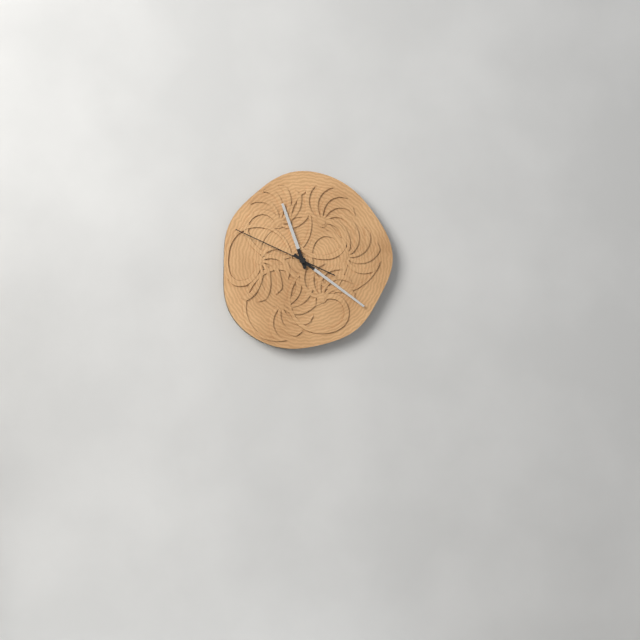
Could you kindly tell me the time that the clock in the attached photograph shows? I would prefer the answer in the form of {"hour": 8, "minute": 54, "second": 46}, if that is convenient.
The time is {"hour": 11, "minute": 21, "second": 49}
